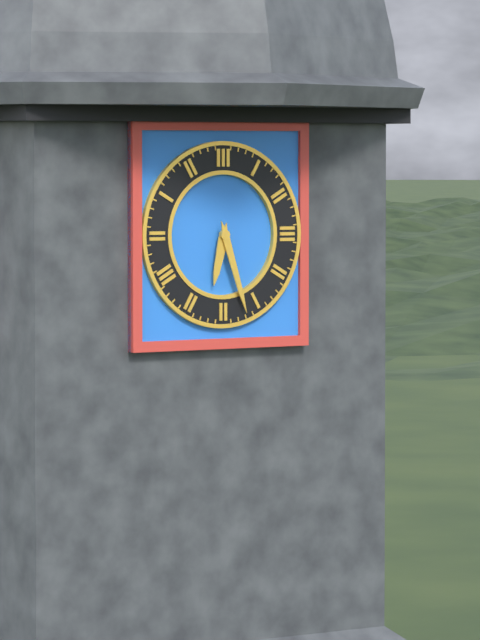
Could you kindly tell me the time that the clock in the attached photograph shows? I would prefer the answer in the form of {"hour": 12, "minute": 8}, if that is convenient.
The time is {"hour": 6, "minute": 27}
